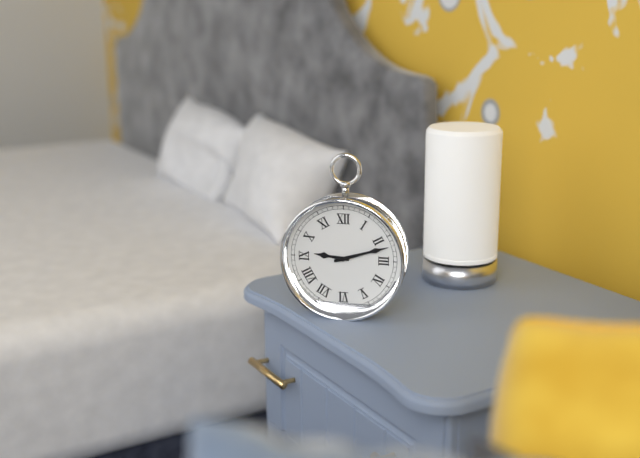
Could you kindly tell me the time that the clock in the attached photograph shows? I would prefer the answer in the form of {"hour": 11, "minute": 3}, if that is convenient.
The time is {"hour": 9, "minute": 12}
